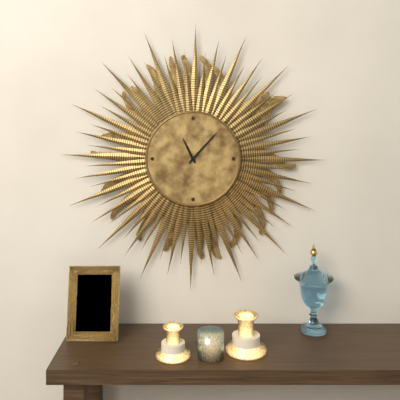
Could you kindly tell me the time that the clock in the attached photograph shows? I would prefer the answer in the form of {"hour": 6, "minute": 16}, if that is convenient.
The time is {"hour": 11, "minute": 7}
